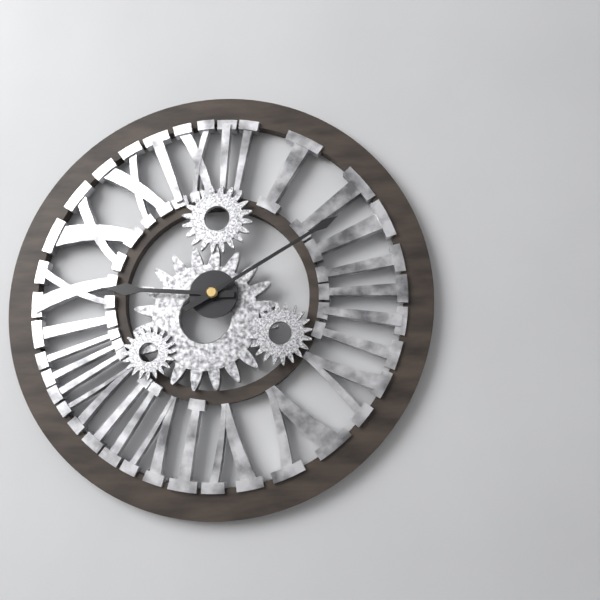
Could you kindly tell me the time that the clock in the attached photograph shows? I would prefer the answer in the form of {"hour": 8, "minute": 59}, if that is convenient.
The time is {"hour": 9, "minute": 10}
